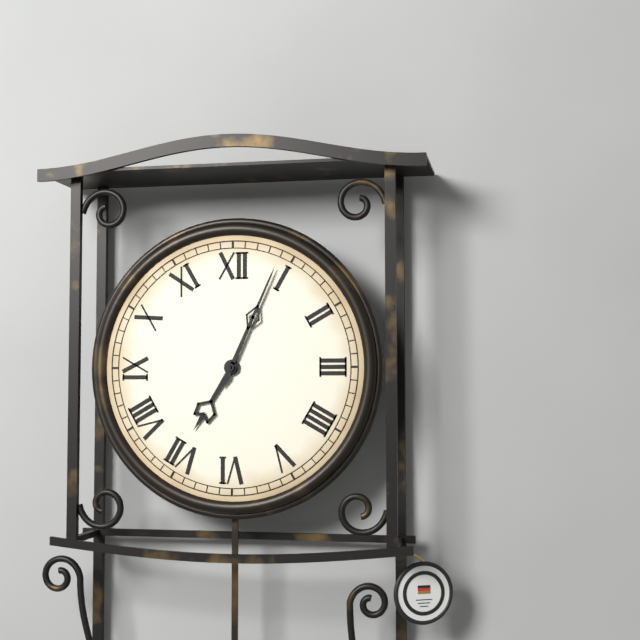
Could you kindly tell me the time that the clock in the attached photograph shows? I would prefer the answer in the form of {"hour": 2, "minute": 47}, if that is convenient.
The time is {"hour": 7, "minute": 4}
